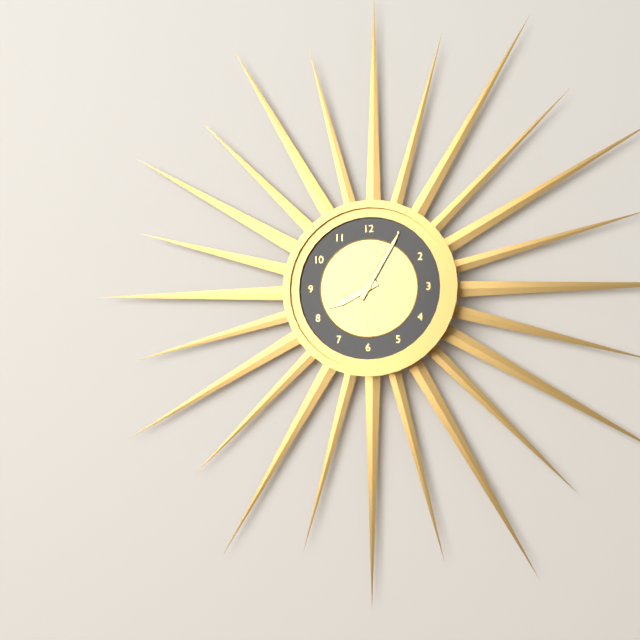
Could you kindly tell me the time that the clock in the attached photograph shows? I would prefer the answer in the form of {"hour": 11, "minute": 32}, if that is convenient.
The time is {"hour": 8, "minute": 5}
